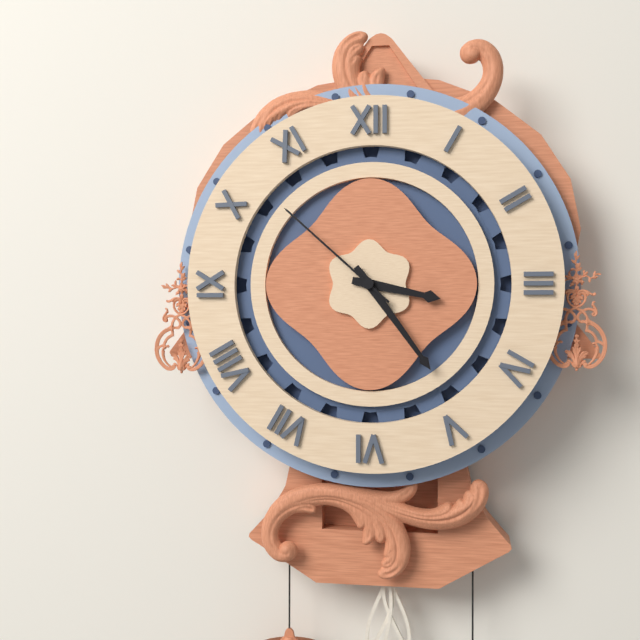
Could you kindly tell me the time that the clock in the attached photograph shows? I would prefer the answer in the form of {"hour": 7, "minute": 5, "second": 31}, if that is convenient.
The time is {"hour": 3, "minute": 24, "second": 52}
